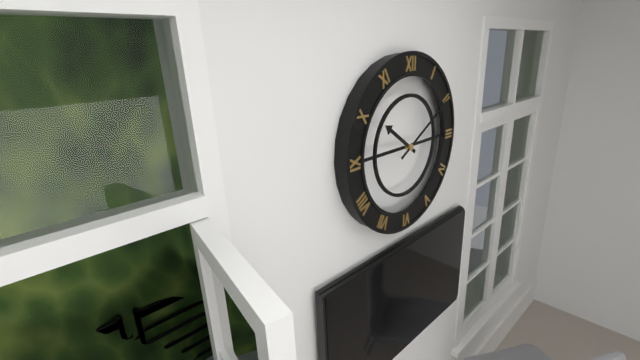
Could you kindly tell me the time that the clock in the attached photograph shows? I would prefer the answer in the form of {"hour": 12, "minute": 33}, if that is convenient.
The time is {"hour": 10, "minute": 10}
